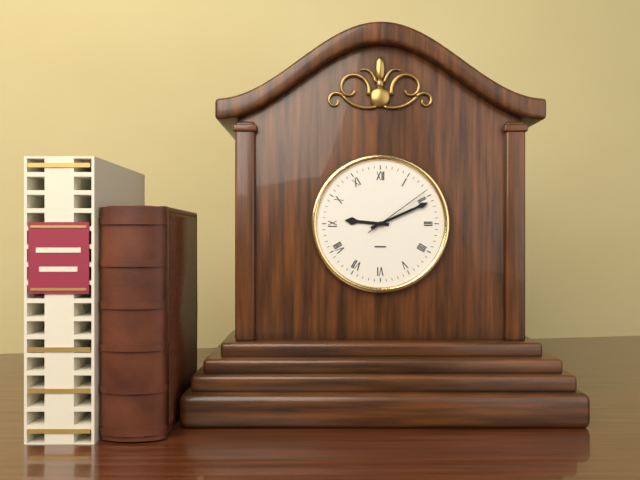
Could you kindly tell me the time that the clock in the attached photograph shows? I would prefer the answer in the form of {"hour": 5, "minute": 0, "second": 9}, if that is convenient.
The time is {"hour": 9, "minute": 11, "second": 9}
